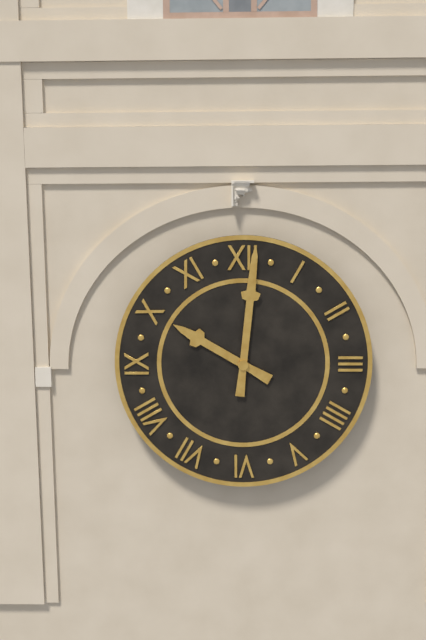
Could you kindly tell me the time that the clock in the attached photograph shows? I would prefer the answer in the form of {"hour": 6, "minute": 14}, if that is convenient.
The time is {"hour": 10, "minute": 1}
